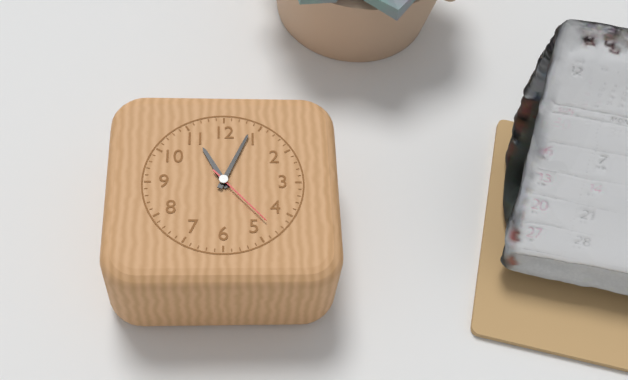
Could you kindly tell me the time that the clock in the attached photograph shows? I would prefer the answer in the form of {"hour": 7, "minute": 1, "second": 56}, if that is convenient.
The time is {"hour": 11, "minute": 4, "second": 23}
